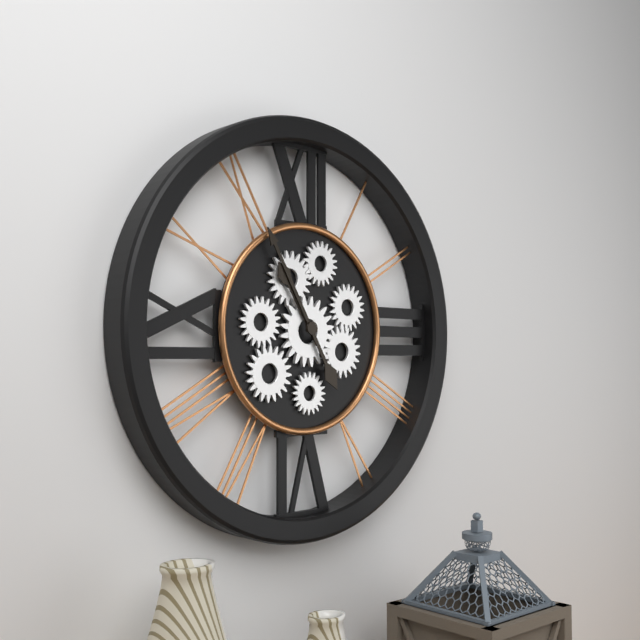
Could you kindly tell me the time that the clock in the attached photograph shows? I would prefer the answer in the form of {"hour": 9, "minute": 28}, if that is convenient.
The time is {"hour": 10, "minute": 55}
